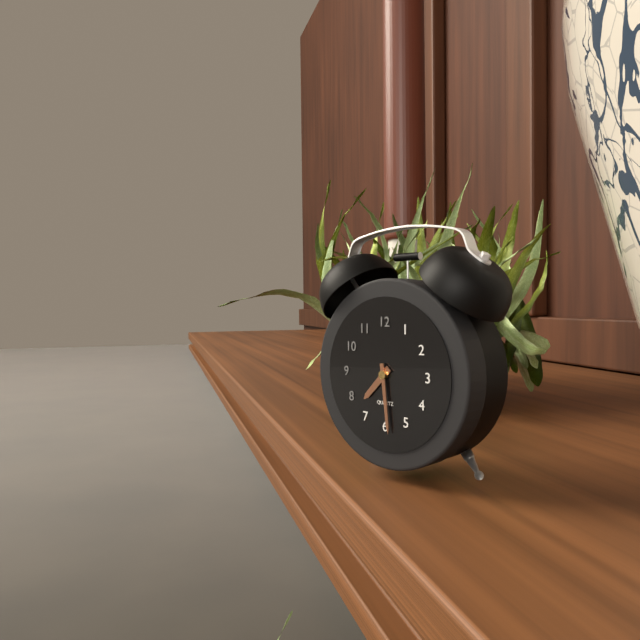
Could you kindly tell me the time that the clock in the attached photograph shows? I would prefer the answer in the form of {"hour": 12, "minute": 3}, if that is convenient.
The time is {"hour": 7, "minute": 29}
